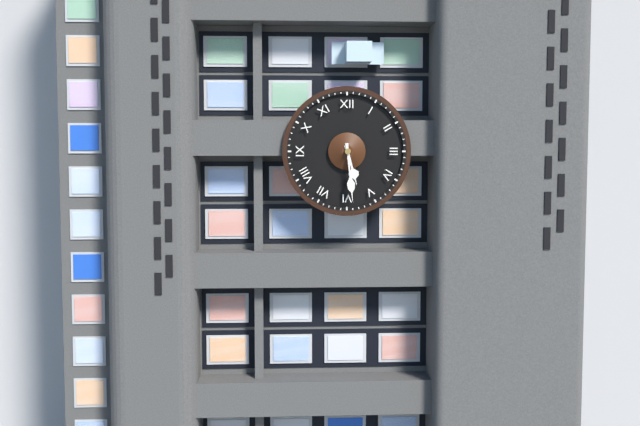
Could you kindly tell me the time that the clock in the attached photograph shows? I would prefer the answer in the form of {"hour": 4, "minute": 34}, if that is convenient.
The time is {"hour": 5, "minute": 29}
